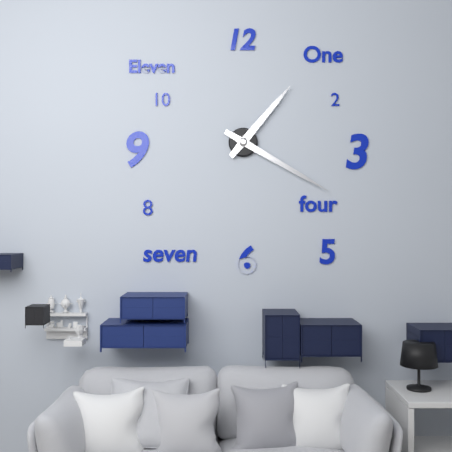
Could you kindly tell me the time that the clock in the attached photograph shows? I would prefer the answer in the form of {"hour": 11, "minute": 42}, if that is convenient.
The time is {"hour": 1, "minute": 20}
